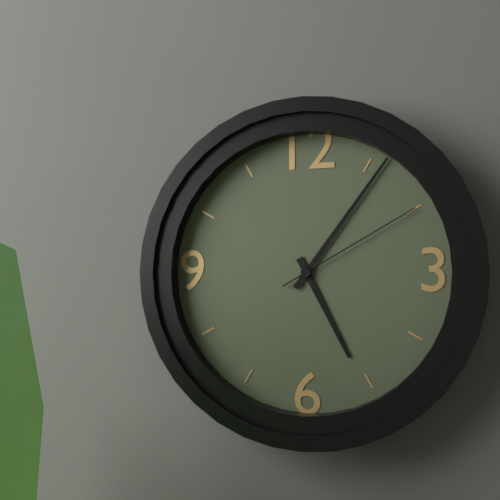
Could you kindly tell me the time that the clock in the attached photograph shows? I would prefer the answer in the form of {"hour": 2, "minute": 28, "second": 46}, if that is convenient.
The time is {"hour": 5, "minute": 6, "second": 10}
